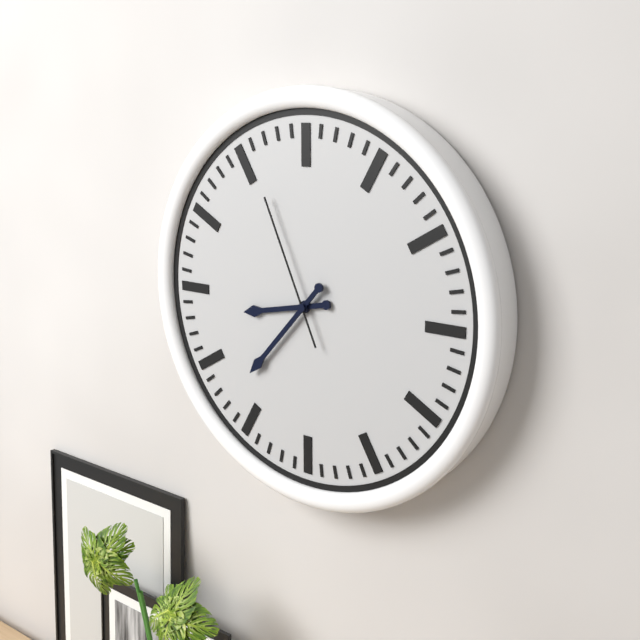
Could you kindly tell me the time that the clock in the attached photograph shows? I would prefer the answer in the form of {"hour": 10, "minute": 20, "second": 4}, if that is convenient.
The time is {"hour": 8, "minute": 37, "second": 56}
